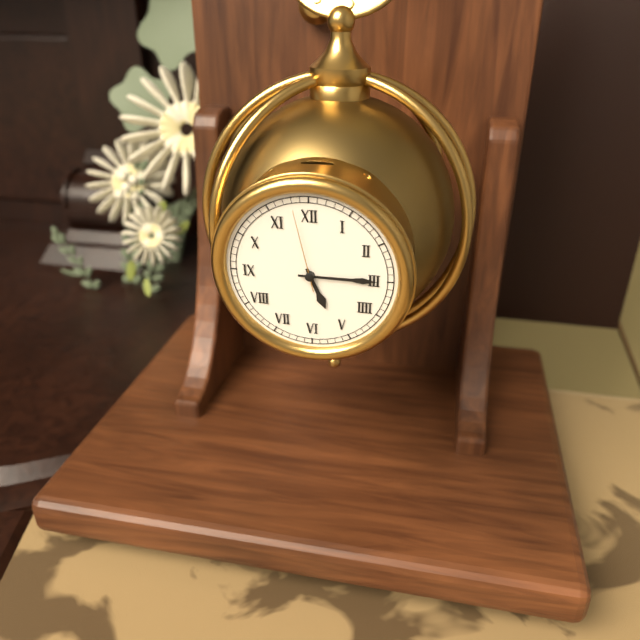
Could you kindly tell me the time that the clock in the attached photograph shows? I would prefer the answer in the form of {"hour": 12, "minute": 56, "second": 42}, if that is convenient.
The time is {"hour": 5, "minute": 15, "second": 58}
